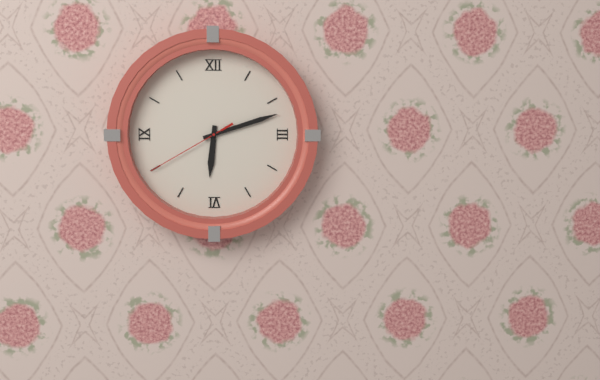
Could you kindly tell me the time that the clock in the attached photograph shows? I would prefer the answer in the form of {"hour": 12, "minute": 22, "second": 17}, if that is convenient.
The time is {"hour": 6, "minute": 12, "second": 40}
